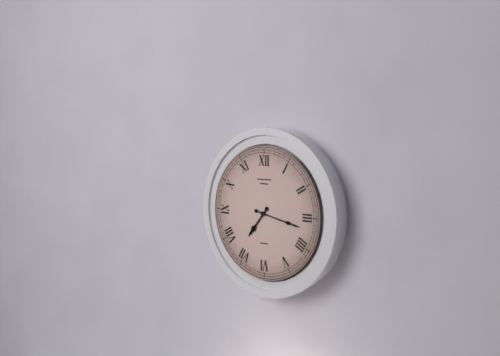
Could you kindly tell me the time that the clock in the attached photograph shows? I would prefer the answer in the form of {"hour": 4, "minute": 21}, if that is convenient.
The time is {"hour": 7, "minute": 17}
